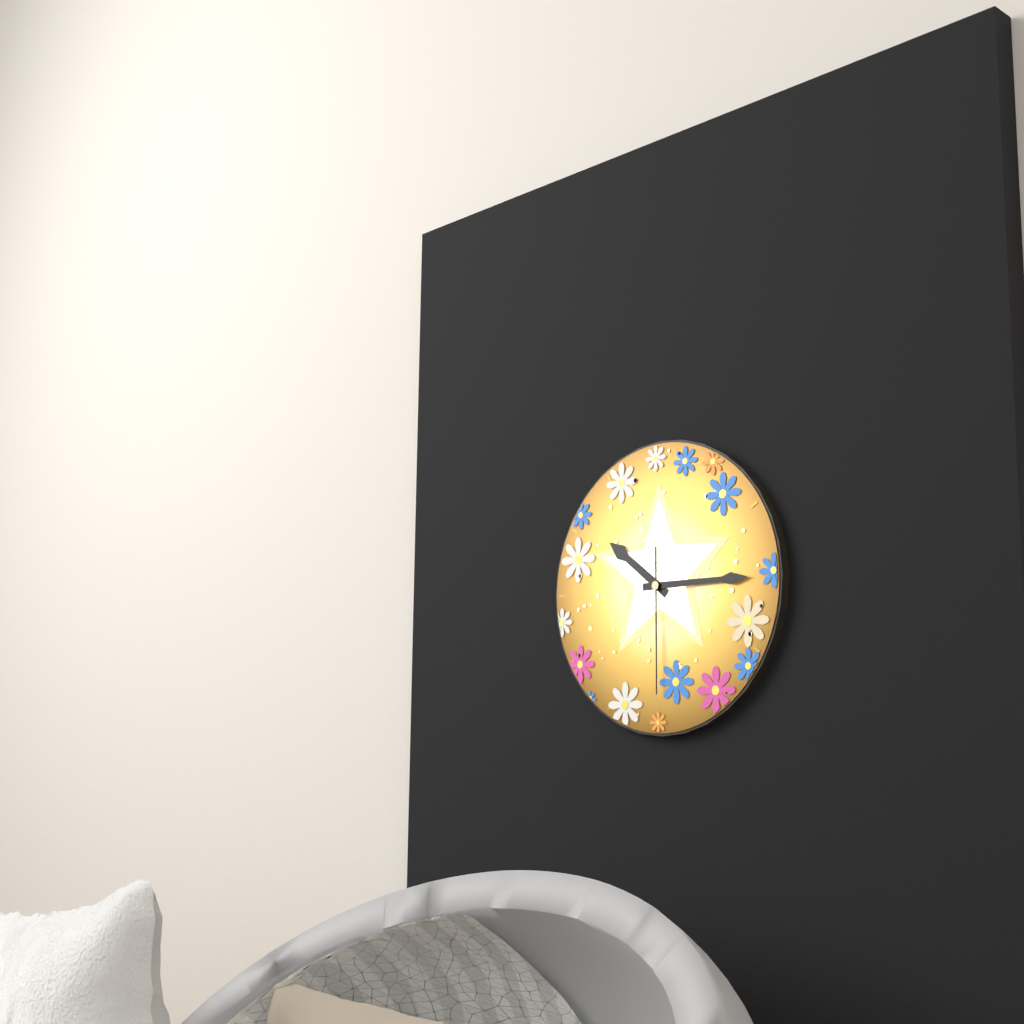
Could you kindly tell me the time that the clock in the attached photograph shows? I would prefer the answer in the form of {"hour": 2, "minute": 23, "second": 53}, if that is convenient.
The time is {"hour": 10, "minute": 15, "second": 30}
